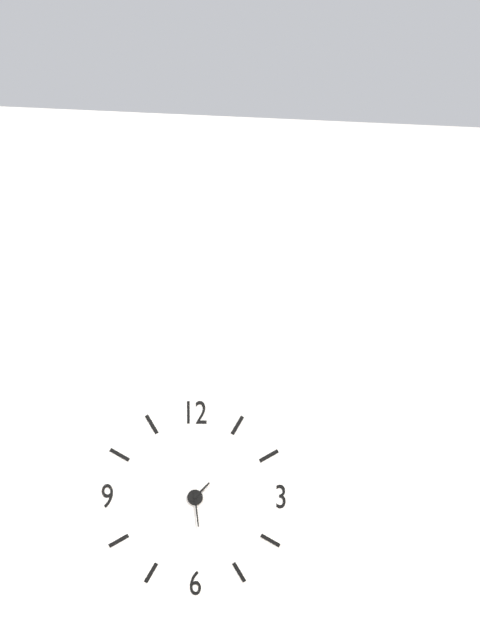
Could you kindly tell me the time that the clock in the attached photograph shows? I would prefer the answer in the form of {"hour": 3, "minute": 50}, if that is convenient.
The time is {"hour": 1, "minute": 29}
